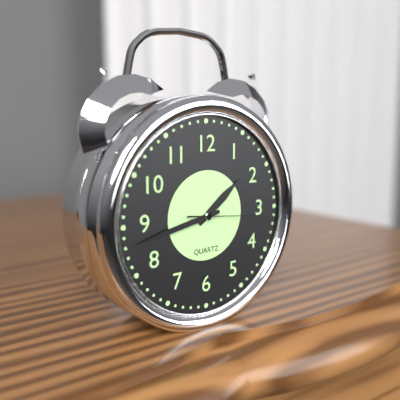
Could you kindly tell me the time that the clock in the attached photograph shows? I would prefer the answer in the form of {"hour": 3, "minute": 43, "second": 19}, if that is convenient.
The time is {"hour": 1, "minute": 43, "second": 16}
